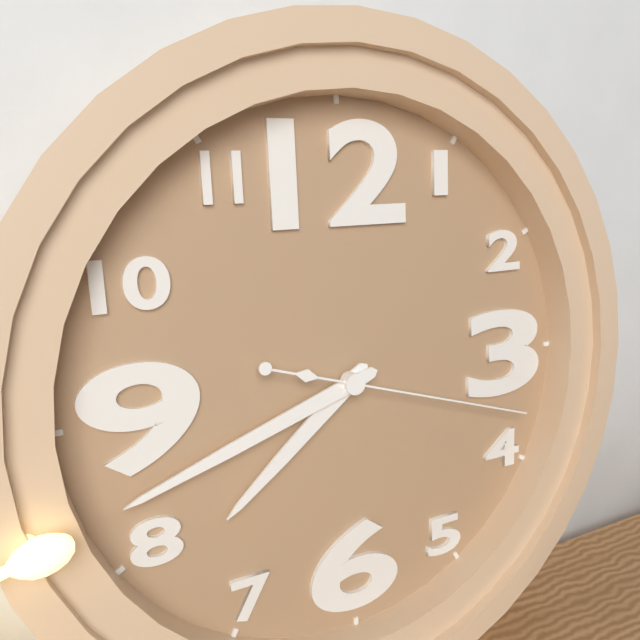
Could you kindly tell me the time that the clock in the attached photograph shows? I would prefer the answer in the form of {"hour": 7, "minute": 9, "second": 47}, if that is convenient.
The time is {"hour": 7, "minute": 42, "second": 18}
